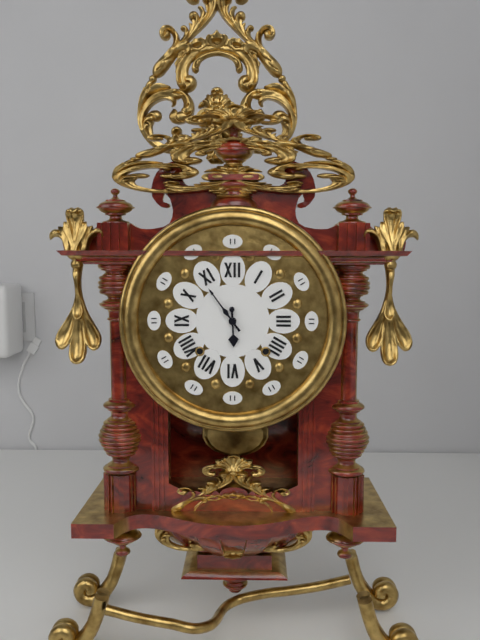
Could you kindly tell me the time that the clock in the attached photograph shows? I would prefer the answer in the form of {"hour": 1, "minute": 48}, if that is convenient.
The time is {"hour": 5, "minute": 54}
